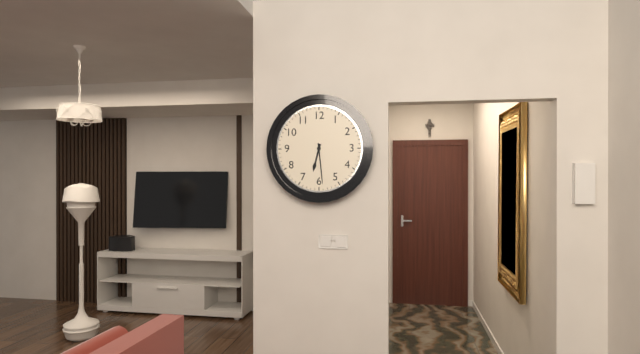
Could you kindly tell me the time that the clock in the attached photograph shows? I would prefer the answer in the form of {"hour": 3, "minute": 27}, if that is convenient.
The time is {"hour": 6, "minute": 29}
